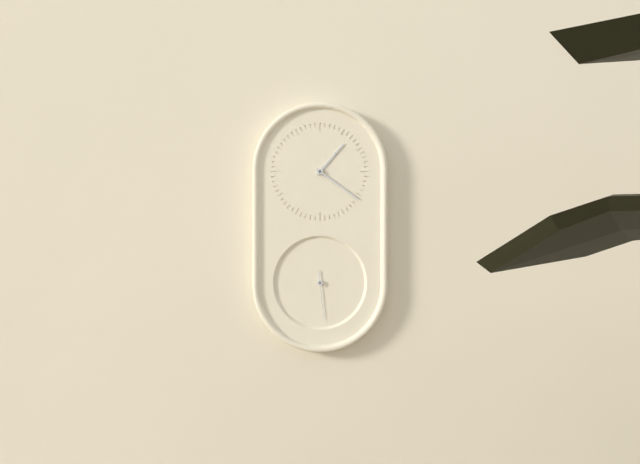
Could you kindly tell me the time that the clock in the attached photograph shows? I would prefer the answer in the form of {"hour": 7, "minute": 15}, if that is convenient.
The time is {"hour": 1, "minute": 21}
